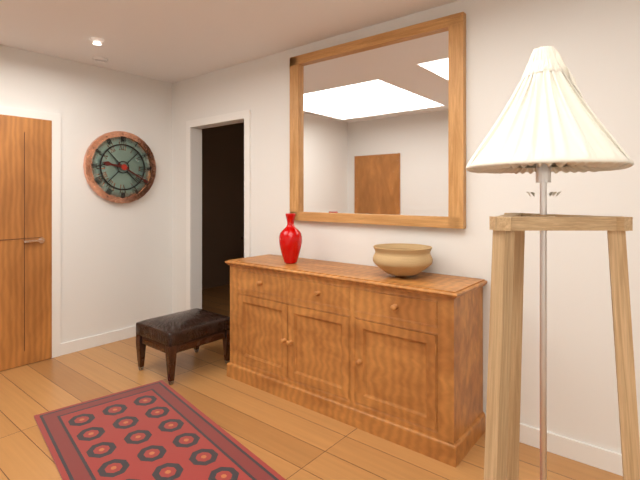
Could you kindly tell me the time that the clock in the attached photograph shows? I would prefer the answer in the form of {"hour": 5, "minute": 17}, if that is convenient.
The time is {"hour": 9, "minute": 20}
